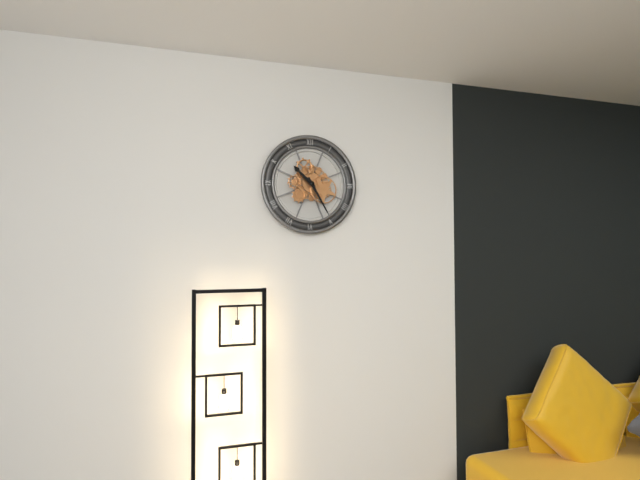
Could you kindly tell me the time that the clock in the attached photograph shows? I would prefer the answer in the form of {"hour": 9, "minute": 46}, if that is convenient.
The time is {"hour": 10, "minute": 25}
